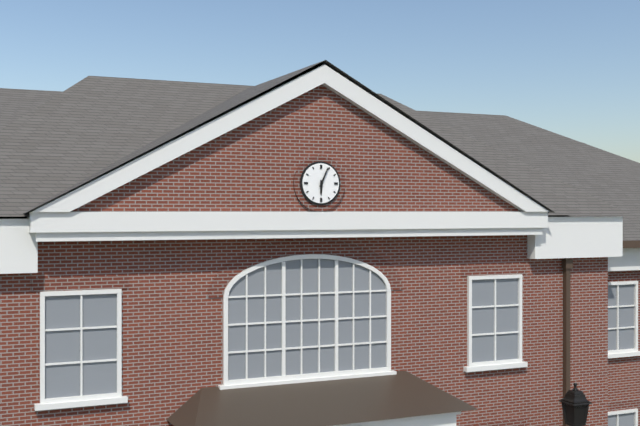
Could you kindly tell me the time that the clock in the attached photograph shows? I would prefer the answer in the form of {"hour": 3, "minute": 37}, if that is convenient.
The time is {"hour": 6, "minute": 4}
